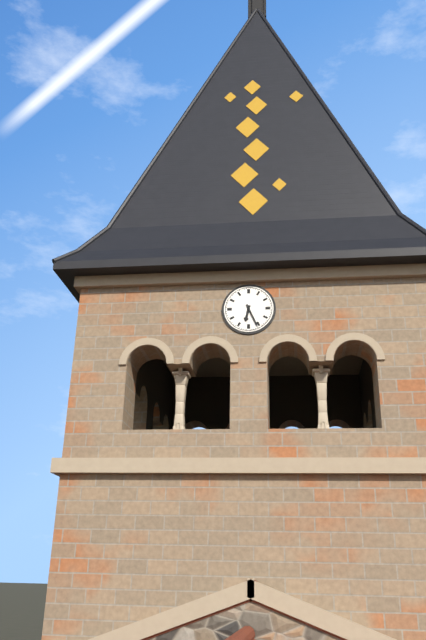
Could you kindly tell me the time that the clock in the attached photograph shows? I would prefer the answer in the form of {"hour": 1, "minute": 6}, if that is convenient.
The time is {"hour": 6, "minute": 26}
